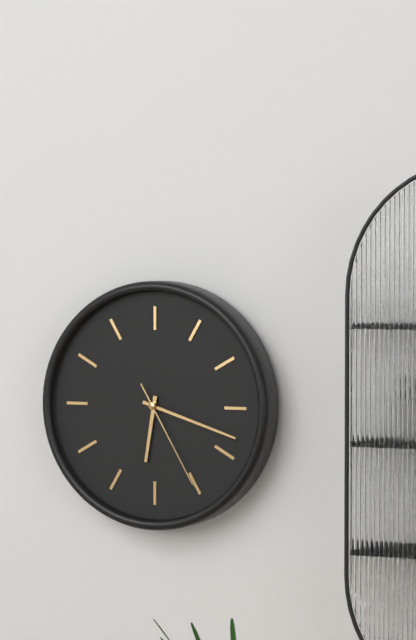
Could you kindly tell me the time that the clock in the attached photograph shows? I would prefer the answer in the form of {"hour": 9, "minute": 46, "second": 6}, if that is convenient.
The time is {"hour": 6, "minute": 18, "second": 25}
